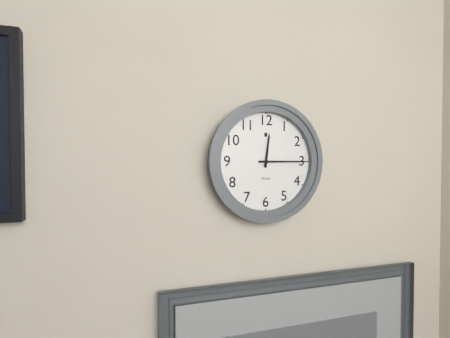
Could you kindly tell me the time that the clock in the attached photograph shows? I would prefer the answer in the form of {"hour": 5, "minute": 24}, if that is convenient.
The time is {"hour": 12, "minute": 15}
